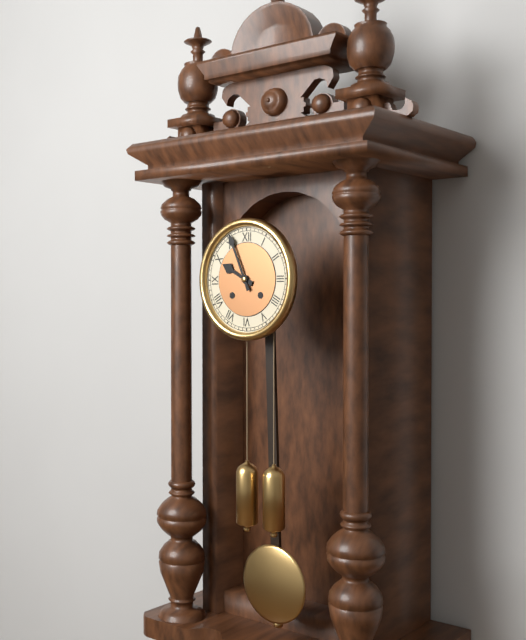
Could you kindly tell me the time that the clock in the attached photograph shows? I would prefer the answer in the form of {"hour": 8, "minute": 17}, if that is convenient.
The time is {"hour": 9, "minute": 56}
